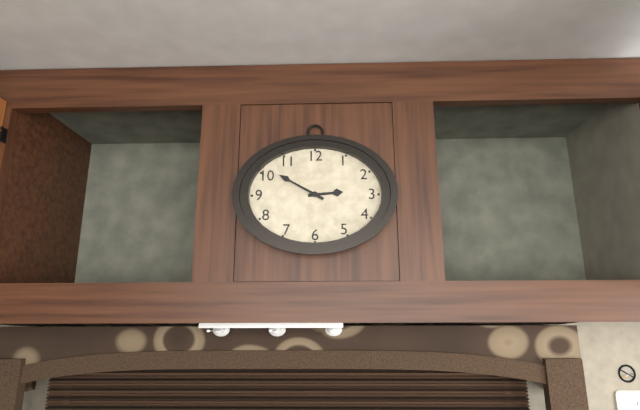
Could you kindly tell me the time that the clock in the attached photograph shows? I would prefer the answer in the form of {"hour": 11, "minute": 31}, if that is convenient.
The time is {"hour": 2, "minute": 50}
